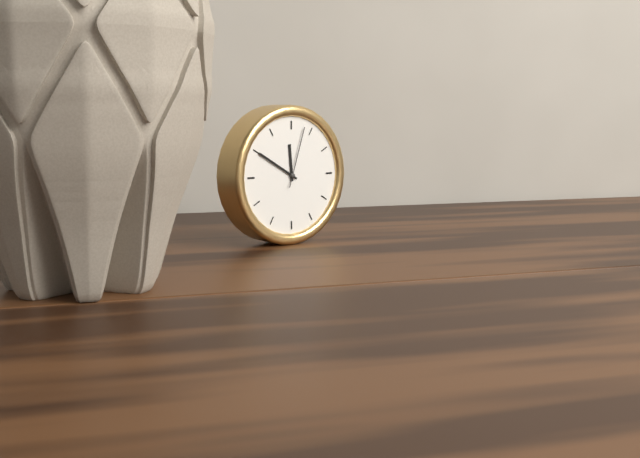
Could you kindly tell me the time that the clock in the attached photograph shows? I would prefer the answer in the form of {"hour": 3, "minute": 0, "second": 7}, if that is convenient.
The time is {"hour": 11, "minute": 50, "second": 3}
